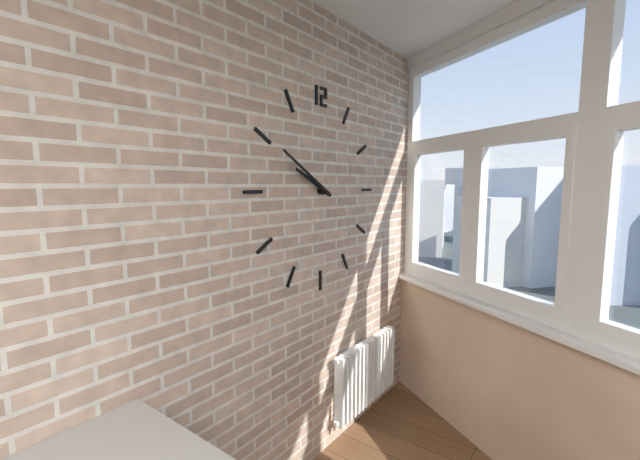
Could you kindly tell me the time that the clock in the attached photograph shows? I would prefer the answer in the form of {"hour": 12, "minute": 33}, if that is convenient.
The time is {"hour": 9, "minute": 50}
